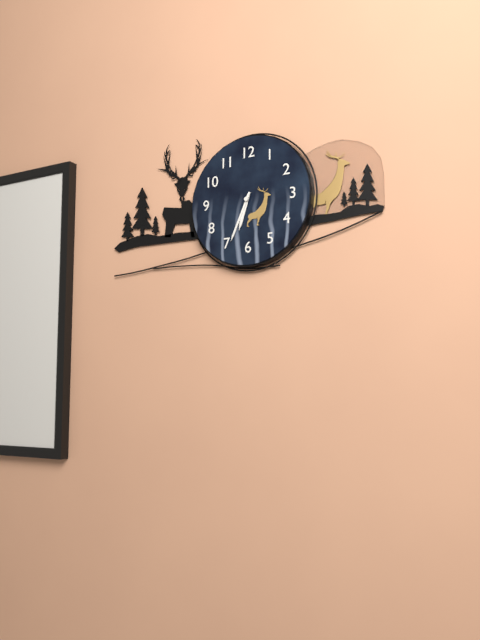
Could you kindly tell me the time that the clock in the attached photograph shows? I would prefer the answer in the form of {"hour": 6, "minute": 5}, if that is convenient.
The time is {"hour": 6, "minute": 34}
